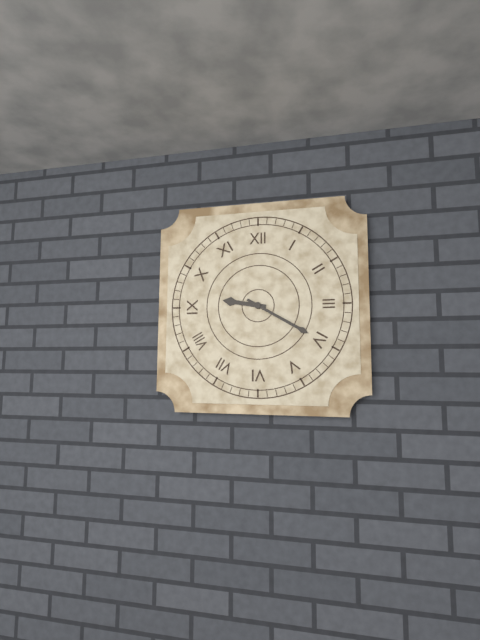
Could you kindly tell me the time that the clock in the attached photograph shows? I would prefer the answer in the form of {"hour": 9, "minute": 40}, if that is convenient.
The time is {"hour": 9, "minute": 20}
